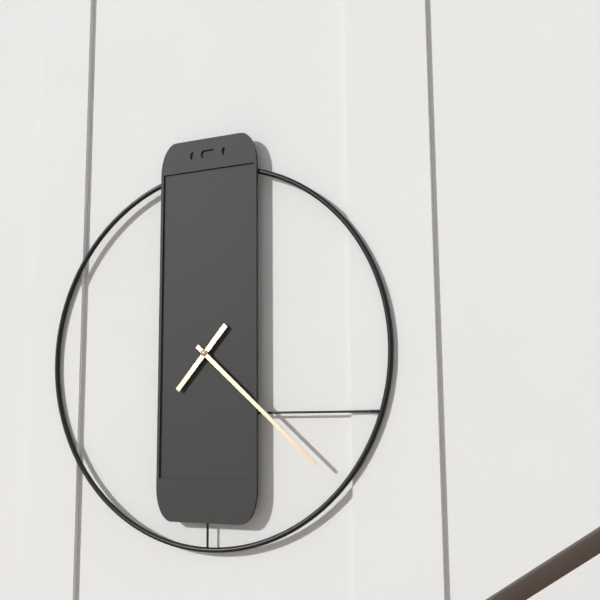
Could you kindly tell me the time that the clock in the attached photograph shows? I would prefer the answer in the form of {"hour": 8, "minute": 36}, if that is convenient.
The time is {"hour": 7, "minute": 22}
